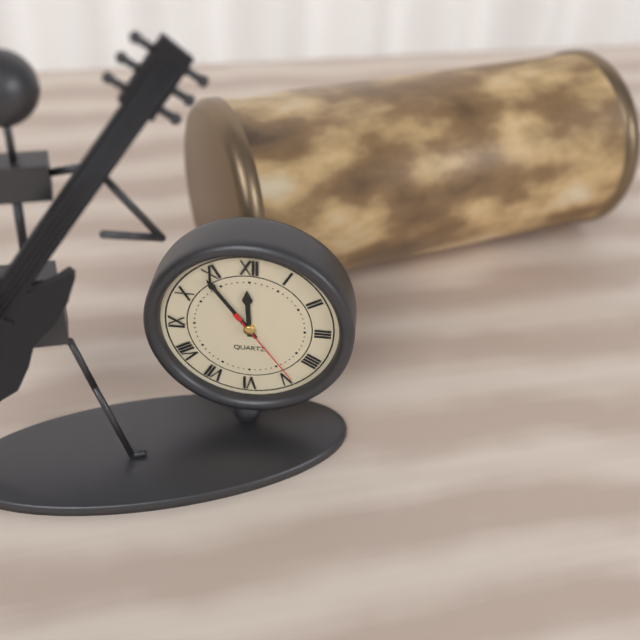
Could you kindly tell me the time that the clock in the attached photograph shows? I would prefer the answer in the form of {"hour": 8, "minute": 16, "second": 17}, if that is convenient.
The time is {"hour": 11, "minute": 54, "second": 24}
